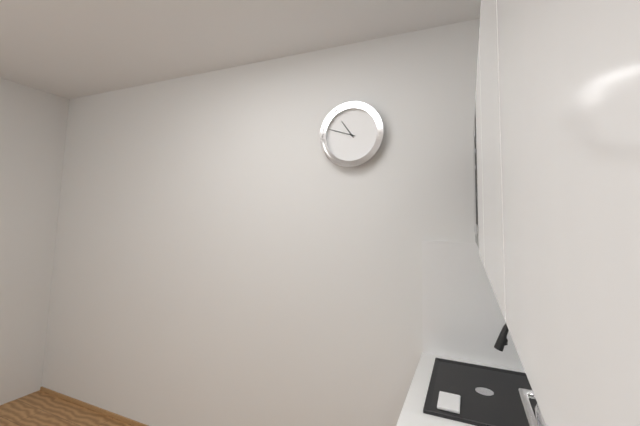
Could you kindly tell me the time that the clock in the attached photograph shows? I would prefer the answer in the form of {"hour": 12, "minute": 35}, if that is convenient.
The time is {"hour": 10, "minute": 48}
